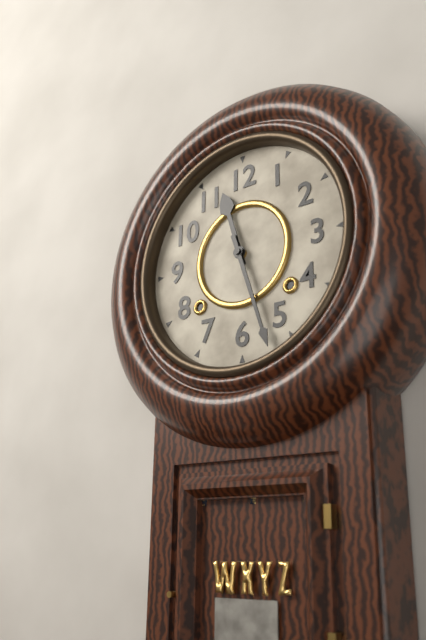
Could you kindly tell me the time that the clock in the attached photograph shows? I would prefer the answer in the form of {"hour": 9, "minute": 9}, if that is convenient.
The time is {"hour": 11, "minute": 27}
